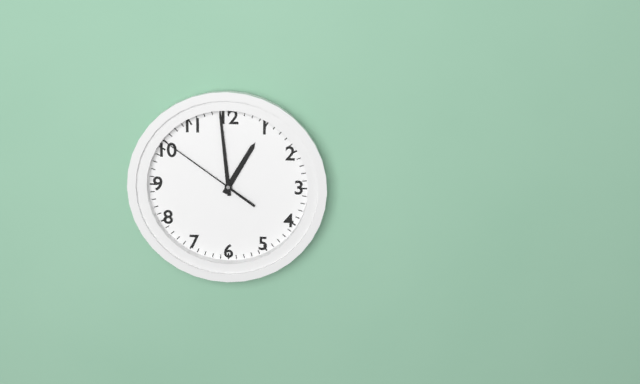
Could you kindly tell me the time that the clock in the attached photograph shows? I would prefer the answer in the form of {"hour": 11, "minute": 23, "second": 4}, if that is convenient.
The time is {"hour": 12, "minute": 59, "second": 51}
